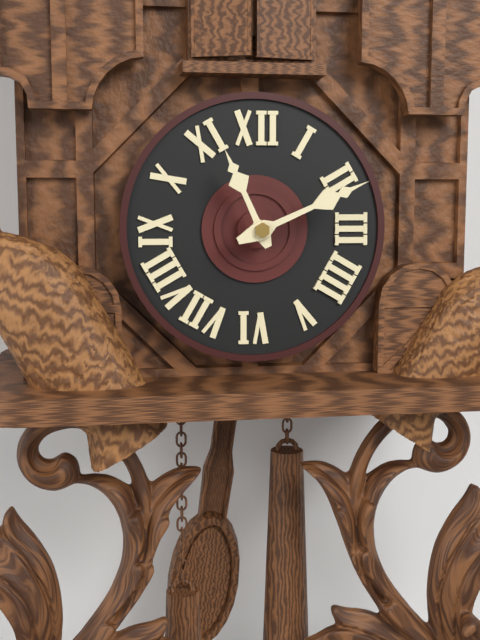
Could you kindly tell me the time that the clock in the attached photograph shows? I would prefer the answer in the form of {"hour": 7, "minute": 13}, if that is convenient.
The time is {"hour": 11, "minute": 11}
